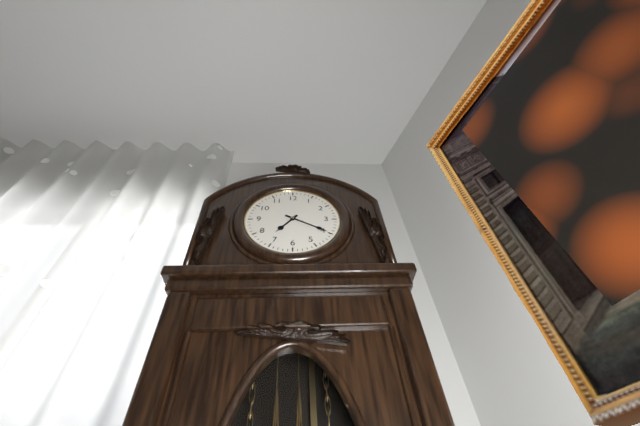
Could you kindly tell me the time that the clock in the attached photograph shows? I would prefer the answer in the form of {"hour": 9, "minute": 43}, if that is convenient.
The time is {"hour": 7, "minute": 20}
